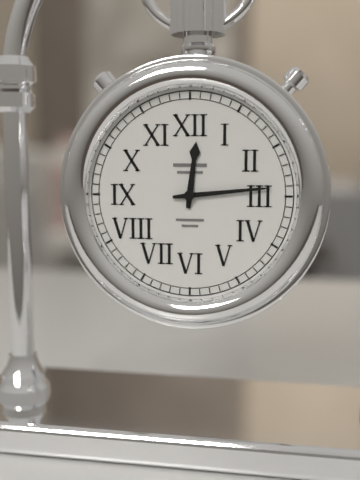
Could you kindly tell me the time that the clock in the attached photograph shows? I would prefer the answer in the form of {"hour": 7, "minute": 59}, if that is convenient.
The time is {"hour": 12, "minute": 14}
